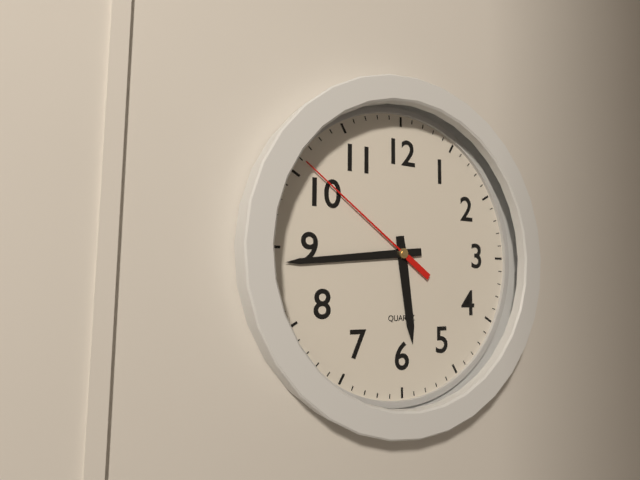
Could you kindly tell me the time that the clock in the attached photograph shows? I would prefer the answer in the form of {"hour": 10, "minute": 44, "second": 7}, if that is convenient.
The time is {"hour": 5, "minute": 44, "second": 51}
